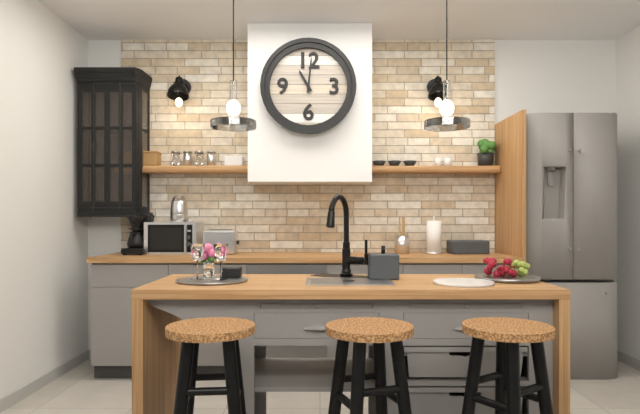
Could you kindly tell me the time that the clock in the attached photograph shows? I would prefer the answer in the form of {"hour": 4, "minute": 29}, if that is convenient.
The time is {"hour": 11, "minute": 1}
